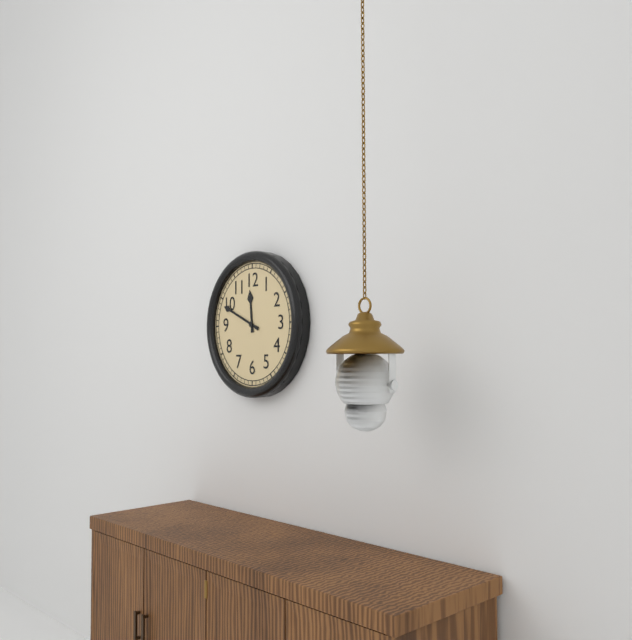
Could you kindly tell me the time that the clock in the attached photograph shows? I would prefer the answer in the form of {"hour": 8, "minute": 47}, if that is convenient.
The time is {"hour": 11, "minute": 49}
